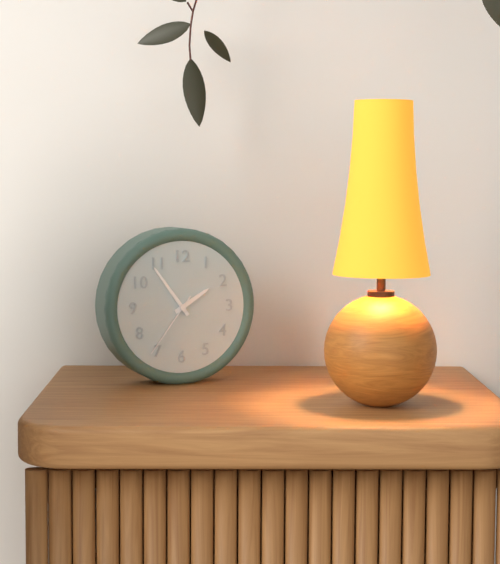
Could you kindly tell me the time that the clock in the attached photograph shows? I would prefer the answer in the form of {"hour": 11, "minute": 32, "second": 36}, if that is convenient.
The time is {"hour": 1, "minute": 54, "second": 36}
